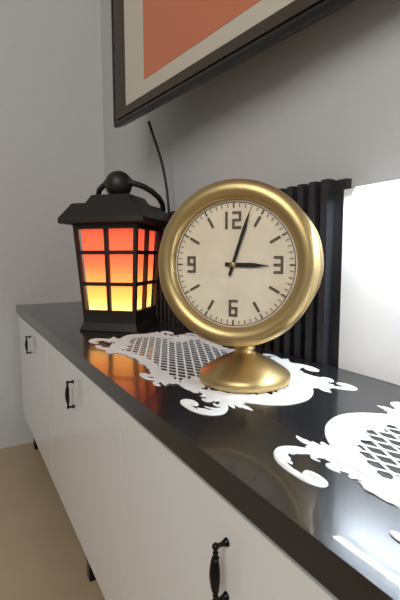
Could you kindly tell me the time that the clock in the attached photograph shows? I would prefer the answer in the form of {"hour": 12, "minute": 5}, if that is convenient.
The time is {"hour": 3, "minute": 3}
